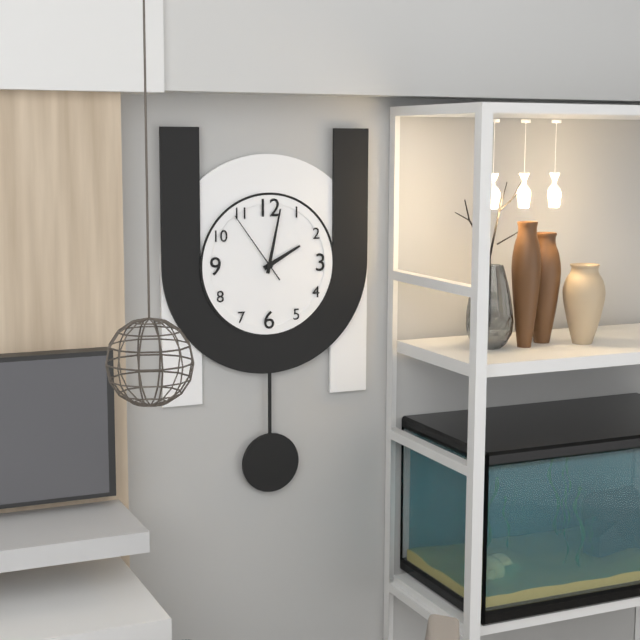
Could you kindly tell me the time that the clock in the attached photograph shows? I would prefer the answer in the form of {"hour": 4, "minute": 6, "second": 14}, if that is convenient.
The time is {"hour": 2, "minute": 2, "second": 54}
